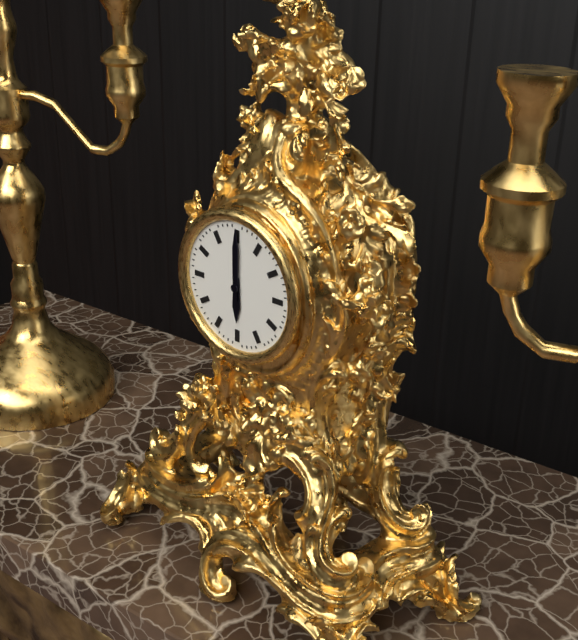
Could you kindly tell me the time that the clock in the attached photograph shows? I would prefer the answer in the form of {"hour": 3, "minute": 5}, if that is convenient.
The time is {"hour": 6, "minute": 0}
